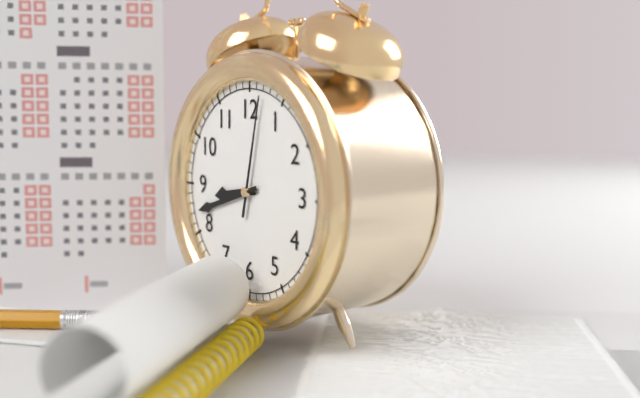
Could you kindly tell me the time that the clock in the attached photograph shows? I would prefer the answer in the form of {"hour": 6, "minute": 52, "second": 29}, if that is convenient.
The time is {"hour": 8, "minute": 42, "second": 2}
